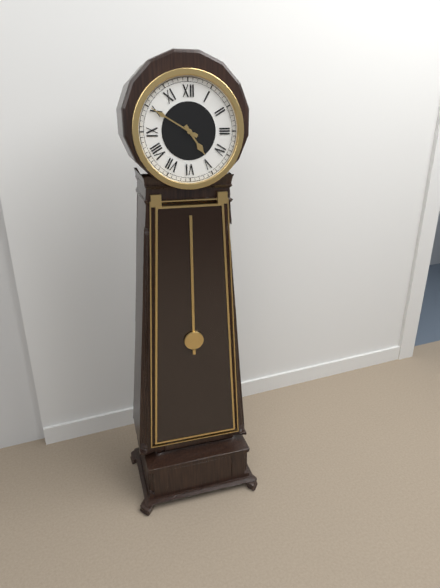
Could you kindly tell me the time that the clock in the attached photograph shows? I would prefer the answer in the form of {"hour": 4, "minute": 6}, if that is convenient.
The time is {"hour": 4, "minute": 50}
